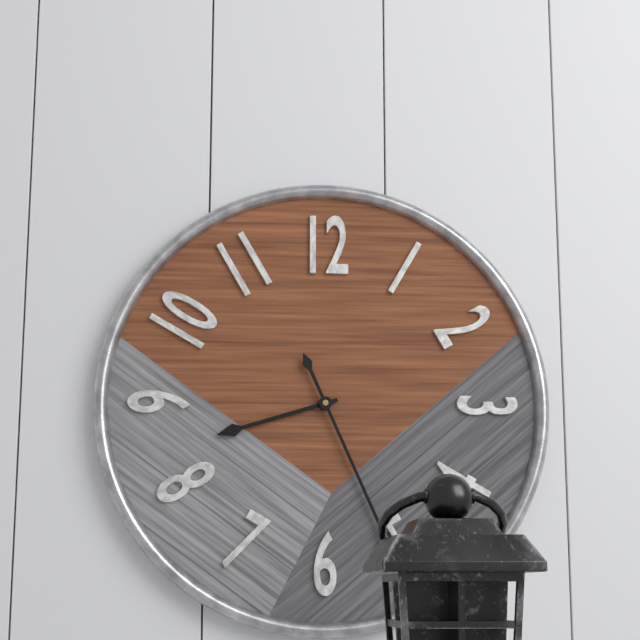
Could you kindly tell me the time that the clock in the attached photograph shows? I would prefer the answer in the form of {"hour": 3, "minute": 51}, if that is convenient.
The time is {"hour": 8, "minute": 26}
